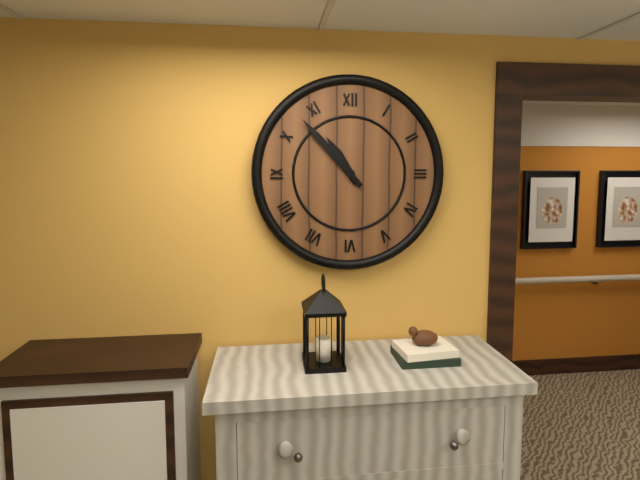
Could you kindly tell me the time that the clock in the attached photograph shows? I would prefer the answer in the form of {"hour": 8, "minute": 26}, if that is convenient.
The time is {"hour": 10, "minute": 53}
